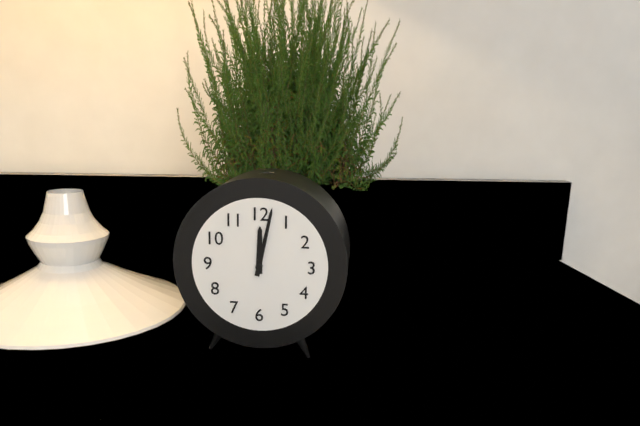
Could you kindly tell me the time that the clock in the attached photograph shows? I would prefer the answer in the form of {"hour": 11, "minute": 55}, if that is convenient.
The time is {"hour": 12, "minute": 2}
